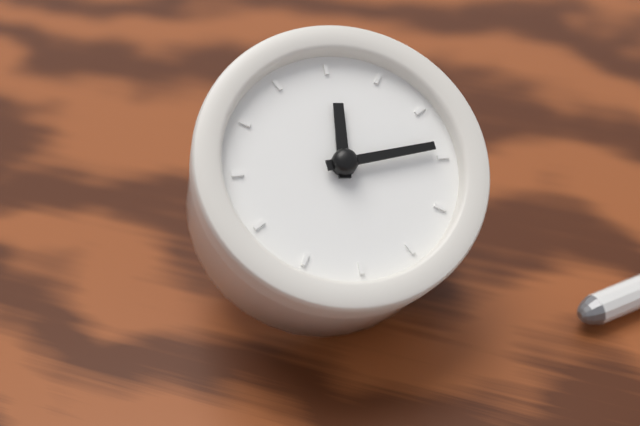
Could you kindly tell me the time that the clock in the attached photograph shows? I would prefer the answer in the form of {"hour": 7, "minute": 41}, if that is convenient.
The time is {"hour": 11, "minute": 9}
